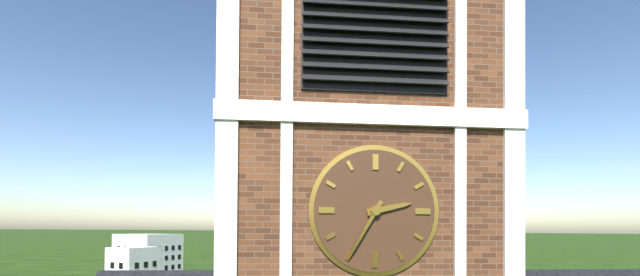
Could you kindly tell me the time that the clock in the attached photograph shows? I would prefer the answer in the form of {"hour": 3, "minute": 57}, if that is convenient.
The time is {"hour": 2, "minute": 35}
